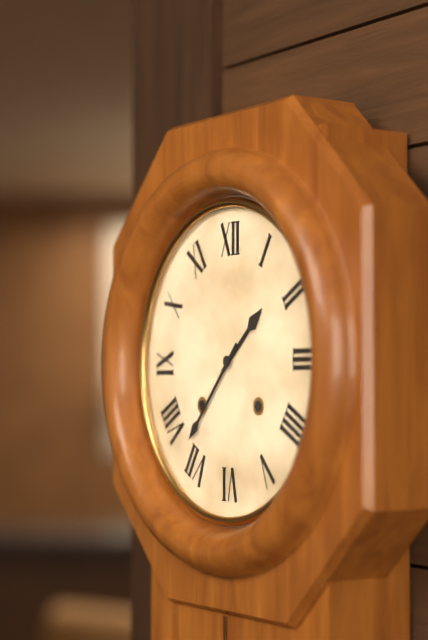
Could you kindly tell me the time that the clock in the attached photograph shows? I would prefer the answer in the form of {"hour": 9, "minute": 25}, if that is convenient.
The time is {"hour": 1, "minute": 37}
